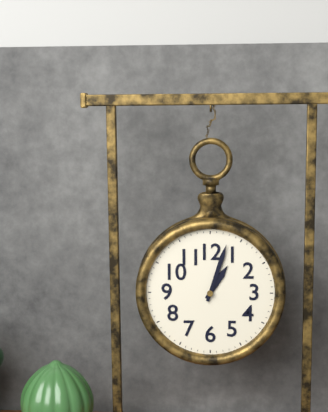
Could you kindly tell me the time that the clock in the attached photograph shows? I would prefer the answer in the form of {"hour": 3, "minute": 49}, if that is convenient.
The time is {"hour": 1, "minute": 3}
